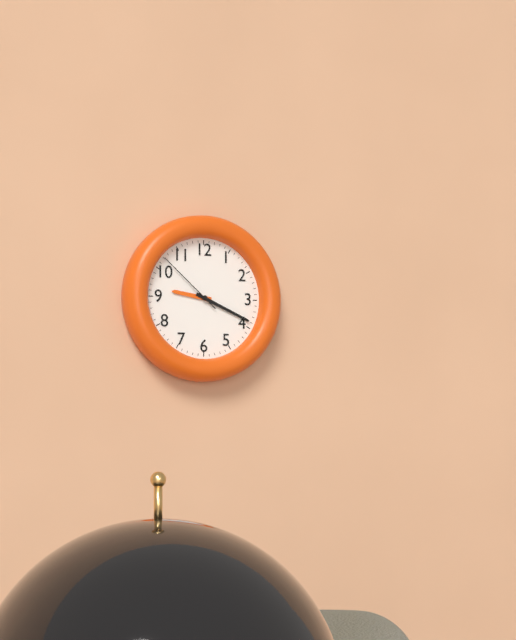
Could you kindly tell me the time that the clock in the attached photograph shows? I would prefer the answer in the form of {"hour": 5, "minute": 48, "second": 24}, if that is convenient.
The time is {"hour": 9, "minute": 19, "second": 52}
